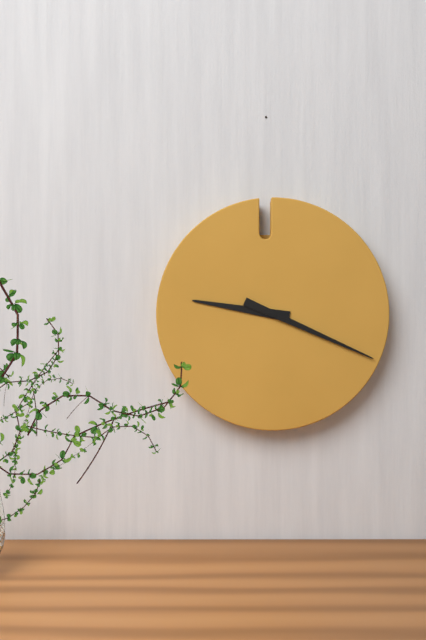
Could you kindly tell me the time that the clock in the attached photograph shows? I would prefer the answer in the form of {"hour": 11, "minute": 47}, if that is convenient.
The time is {"hour": 9, "minute": 19}
